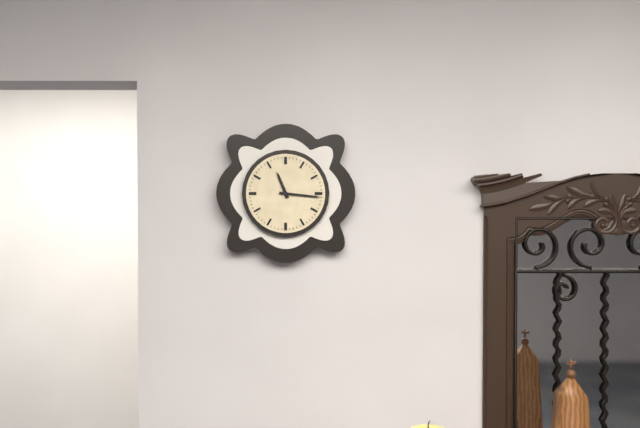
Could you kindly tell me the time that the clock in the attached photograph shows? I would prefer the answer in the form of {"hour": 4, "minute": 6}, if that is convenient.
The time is {"hour": 11, "minute": 16}
